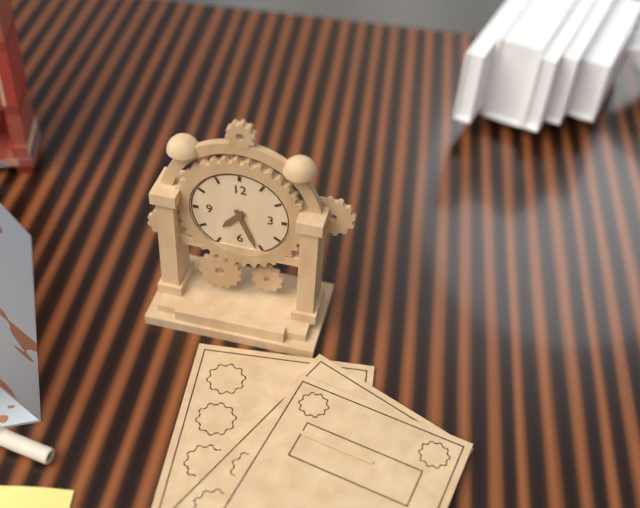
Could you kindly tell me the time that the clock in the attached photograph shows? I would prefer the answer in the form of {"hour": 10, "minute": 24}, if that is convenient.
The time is {"hour": 7, "minute": 26}
